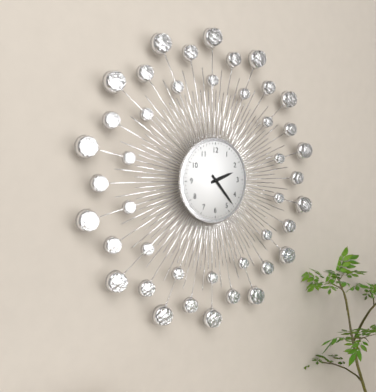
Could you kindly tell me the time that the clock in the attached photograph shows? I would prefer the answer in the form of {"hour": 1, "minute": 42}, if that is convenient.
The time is {"hour": 2, "minute": 23}
